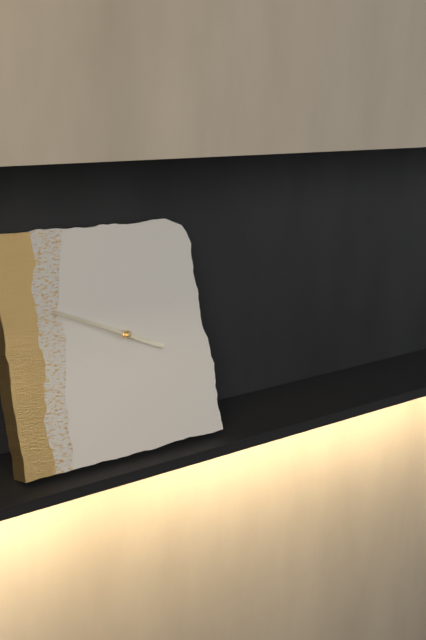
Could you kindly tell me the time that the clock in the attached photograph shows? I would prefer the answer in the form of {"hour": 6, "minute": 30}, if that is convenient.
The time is {"hour": 3, "minute": 49}
